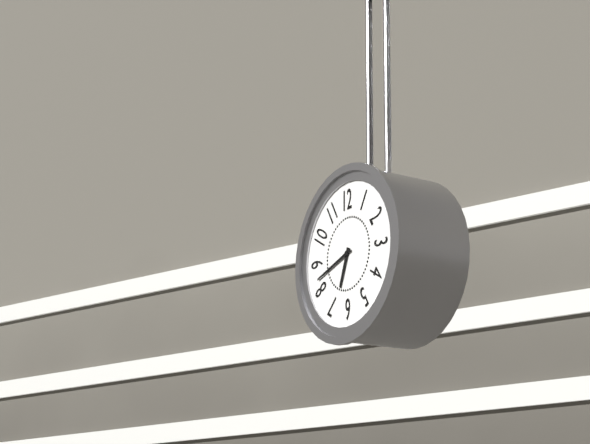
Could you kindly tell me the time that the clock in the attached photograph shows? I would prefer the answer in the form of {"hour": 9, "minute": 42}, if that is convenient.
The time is {"hour": 6, "minute": 42}
